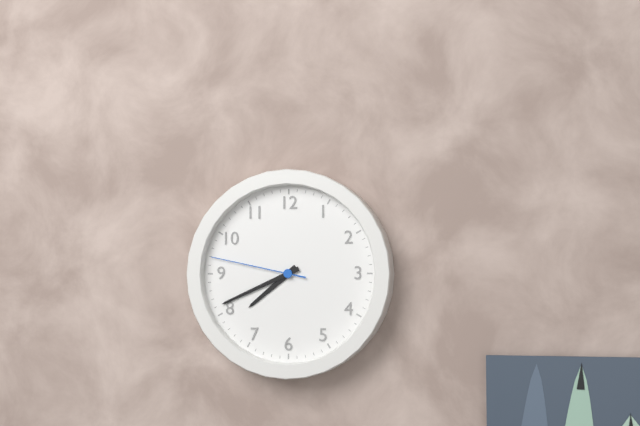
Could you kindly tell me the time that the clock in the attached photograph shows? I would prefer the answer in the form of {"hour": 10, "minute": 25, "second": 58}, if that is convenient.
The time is {"hour": 7, "minute": 41, "second": 47}
